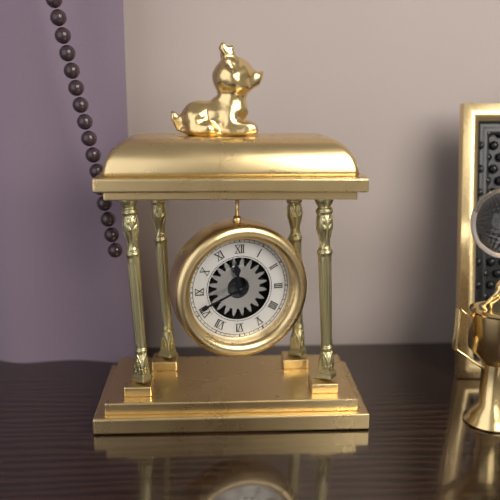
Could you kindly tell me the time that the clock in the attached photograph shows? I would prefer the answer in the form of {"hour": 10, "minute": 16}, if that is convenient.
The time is {"hour": 11, "minute": 41}
